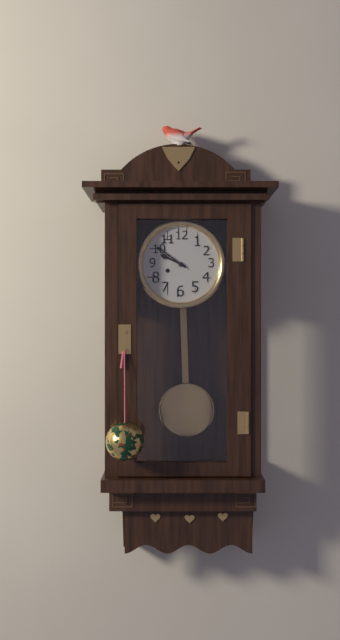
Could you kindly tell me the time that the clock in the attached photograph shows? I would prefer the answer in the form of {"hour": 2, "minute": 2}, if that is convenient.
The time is {"hour": 9, "minute": 51}
